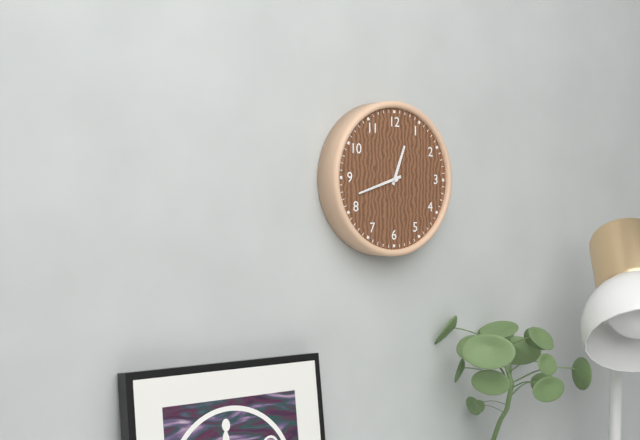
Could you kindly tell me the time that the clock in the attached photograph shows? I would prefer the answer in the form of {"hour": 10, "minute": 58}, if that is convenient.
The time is {"hour": 12, "minute": 42}
